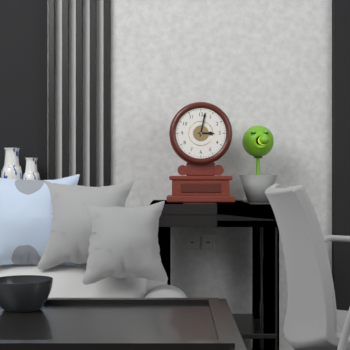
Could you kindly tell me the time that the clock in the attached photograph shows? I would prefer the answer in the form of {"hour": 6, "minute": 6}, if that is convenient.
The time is {"hour": 3, "minute": 2}
